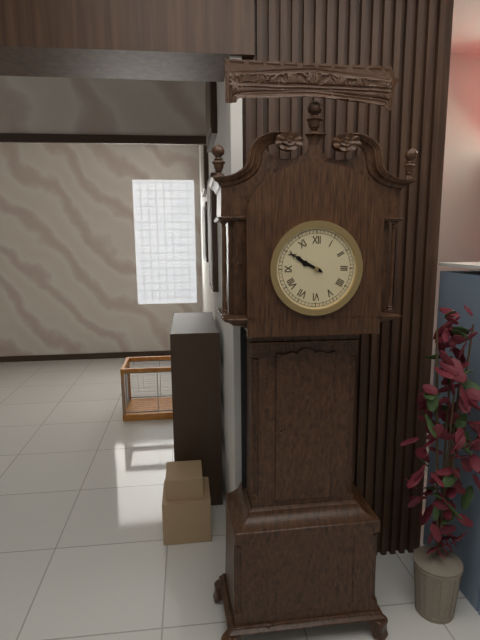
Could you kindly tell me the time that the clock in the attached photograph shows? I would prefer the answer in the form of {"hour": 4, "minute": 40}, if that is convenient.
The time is {"hour": 9, "minute": 50}
